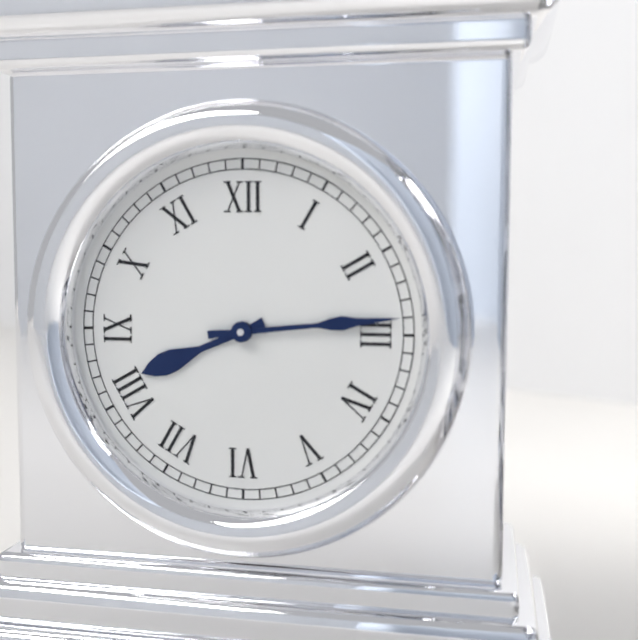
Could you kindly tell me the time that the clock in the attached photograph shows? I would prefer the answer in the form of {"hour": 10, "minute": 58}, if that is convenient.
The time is {"hour": 8, "minute": 14}
